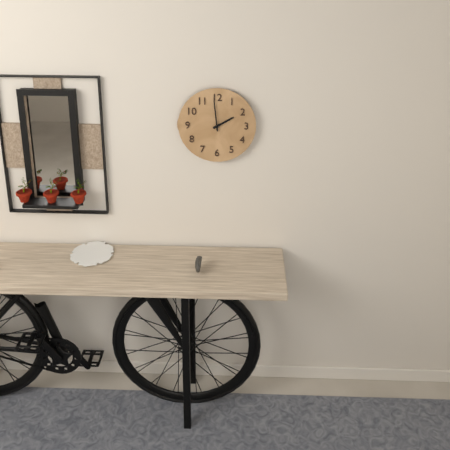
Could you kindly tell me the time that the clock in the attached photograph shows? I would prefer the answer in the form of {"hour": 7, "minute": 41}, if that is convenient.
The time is {"hour": 1, "minute": 59}
